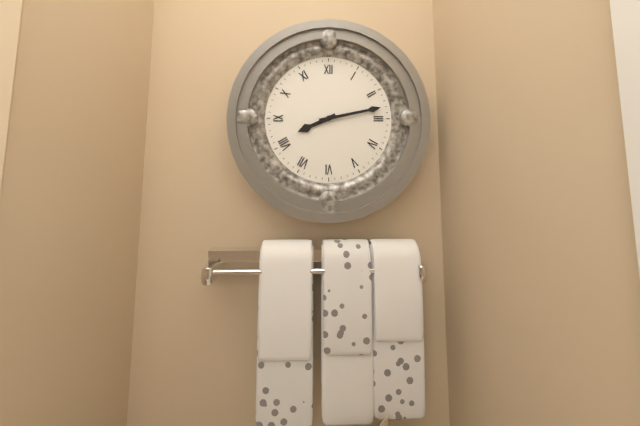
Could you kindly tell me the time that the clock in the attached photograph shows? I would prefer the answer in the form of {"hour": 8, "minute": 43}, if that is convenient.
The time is {"hour": 8, "minute": 13}
